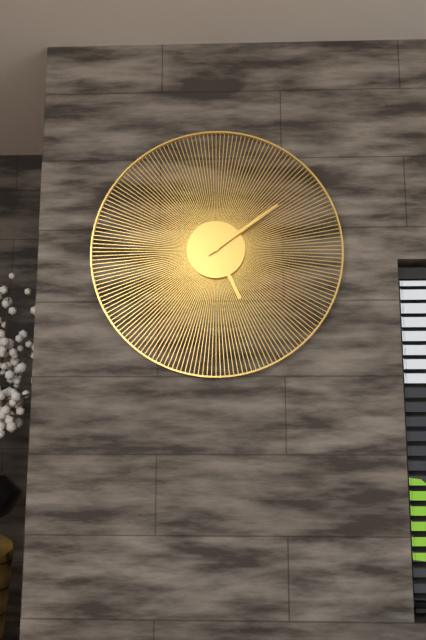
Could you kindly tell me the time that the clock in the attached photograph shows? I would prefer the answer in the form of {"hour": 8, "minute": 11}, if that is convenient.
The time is {"hour": 5, "minute": 9}
